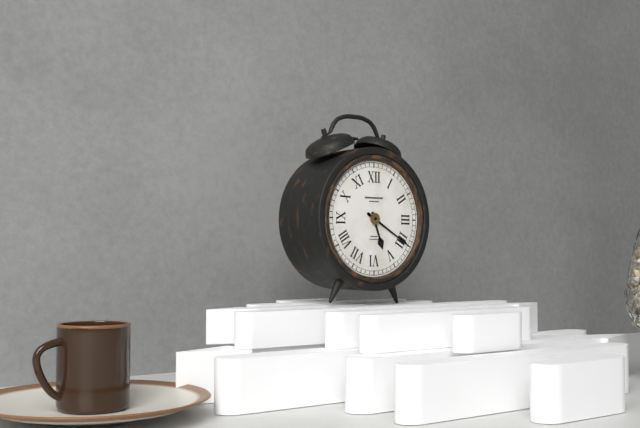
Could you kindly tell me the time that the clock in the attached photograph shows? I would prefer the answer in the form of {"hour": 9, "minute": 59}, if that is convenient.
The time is {"hour": 5, "minute": 20}
